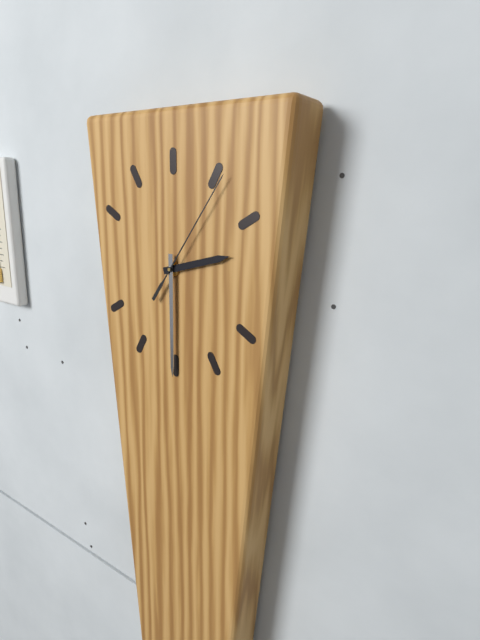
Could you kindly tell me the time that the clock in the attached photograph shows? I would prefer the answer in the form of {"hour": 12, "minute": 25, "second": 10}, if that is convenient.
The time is {"hour": 2, "minute": 30, "second": 6}
